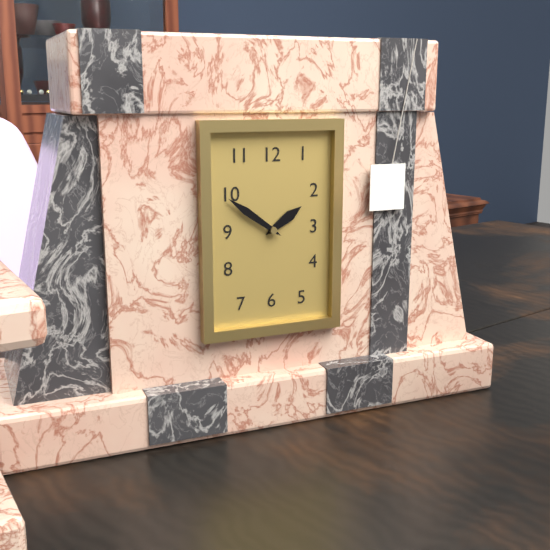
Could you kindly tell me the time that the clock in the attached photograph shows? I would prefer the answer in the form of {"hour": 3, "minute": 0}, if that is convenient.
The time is {"hour": 1, "minute": 51}
